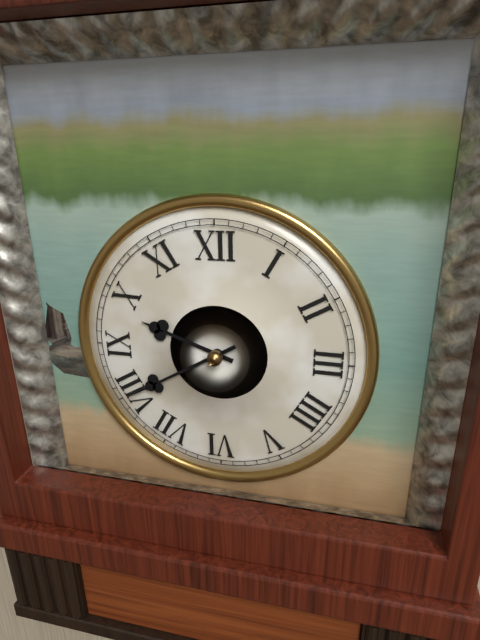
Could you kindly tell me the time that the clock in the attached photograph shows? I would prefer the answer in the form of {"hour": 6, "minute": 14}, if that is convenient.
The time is {"hour": 9, "minute": 40}
